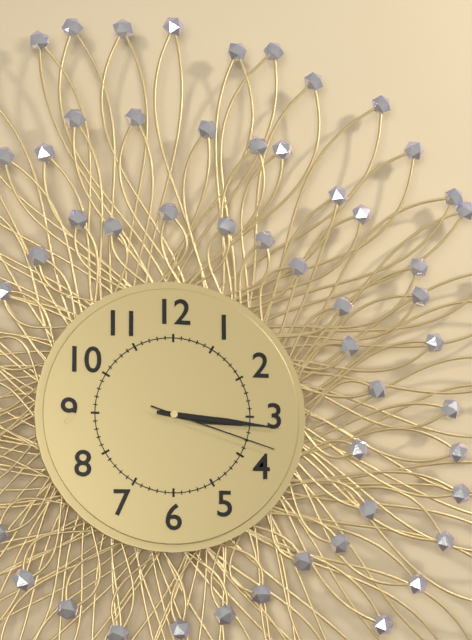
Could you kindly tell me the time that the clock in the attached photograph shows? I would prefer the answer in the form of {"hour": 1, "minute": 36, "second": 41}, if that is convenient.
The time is {"hour": 3, "minute": 16, "second": 18}
